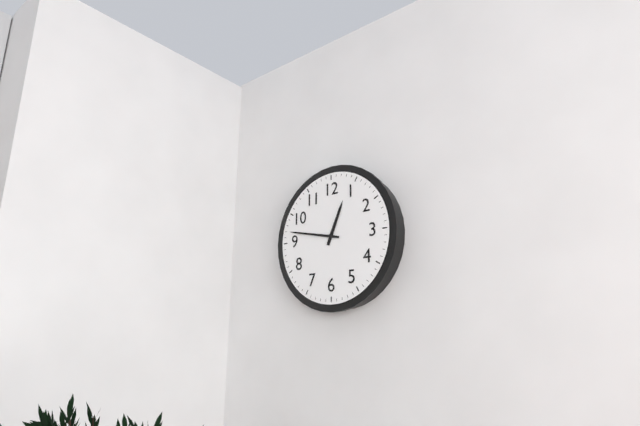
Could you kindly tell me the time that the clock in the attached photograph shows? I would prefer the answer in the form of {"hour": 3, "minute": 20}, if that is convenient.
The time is {"hour": 12, "minute": 47}
